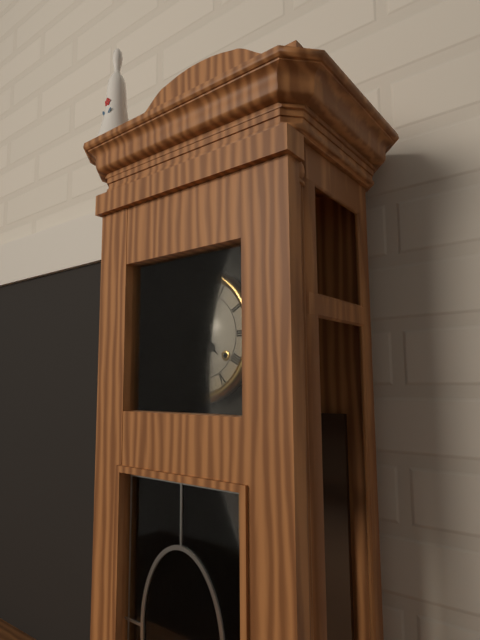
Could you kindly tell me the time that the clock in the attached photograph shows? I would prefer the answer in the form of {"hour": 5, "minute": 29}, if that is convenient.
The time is {"hour": 4, "minute": 27}
